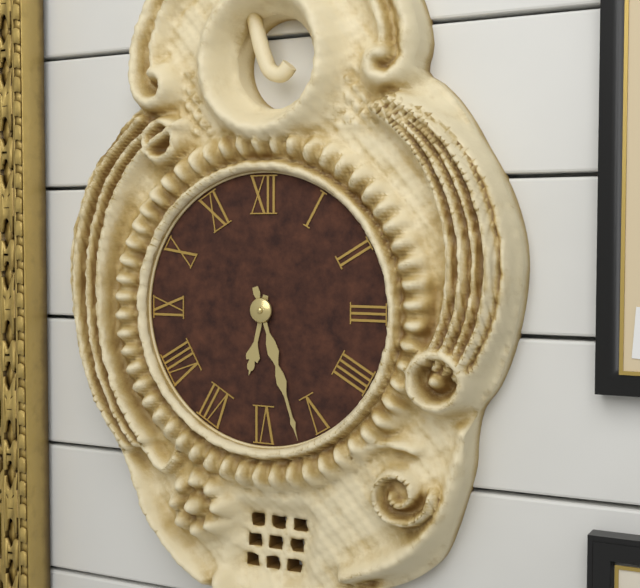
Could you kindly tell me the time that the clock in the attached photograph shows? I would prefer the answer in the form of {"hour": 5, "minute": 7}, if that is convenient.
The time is {"hour": 6, "minute": 27}
